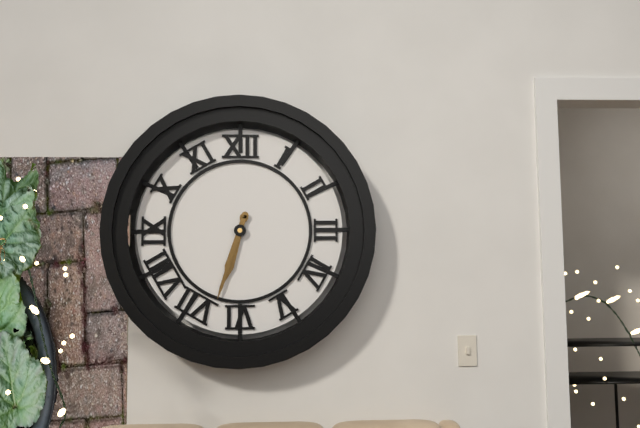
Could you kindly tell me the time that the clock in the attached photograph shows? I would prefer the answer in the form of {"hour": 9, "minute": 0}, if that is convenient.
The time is {"hour": 6, "minute": 33}
